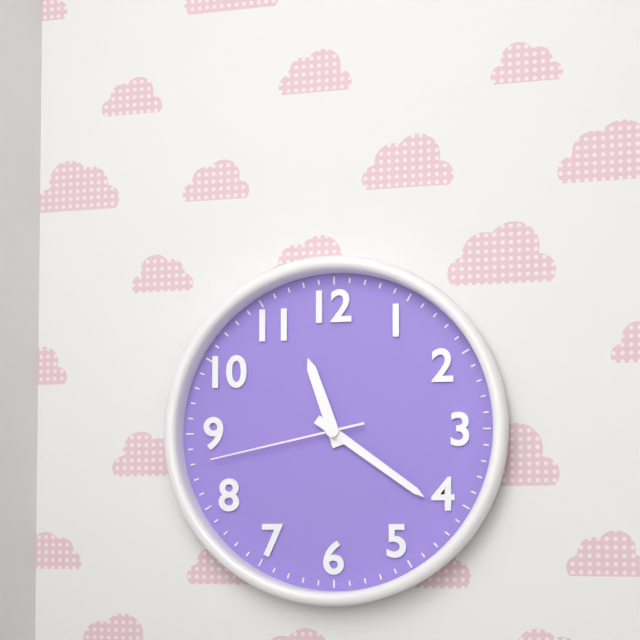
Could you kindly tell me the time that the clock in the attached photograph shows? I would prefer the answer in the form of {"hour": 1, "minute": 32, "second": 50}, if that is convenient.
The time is {"hour": 11, "minute": 21, "second": 43}
